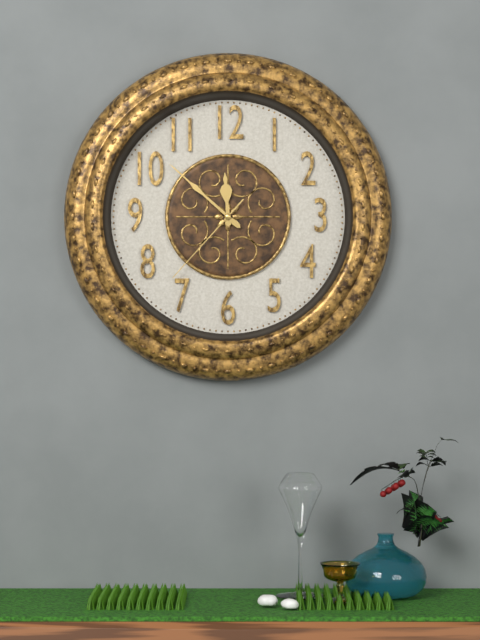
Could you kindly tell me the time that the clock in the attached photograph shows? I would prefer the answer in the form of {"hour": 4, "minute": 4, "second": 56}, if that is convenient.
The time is {"hour": 11, "minute": 52, "second": 37}
